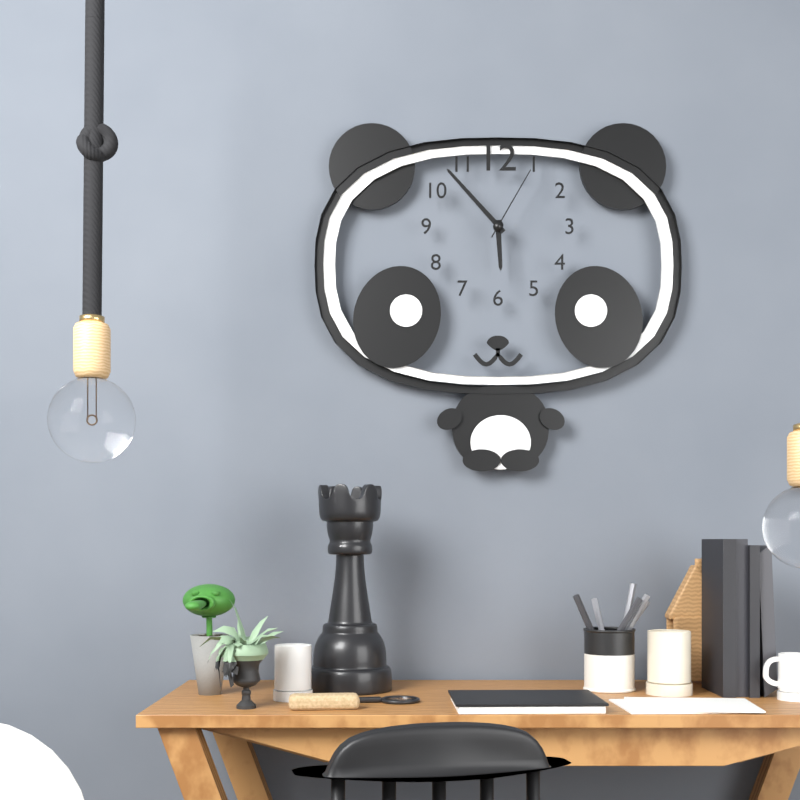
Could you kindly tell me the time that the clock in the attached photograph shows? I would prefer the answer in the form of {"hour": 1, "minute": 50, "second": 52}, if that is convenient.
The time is {"hour": 5, "minute": 53, "second": 5}
